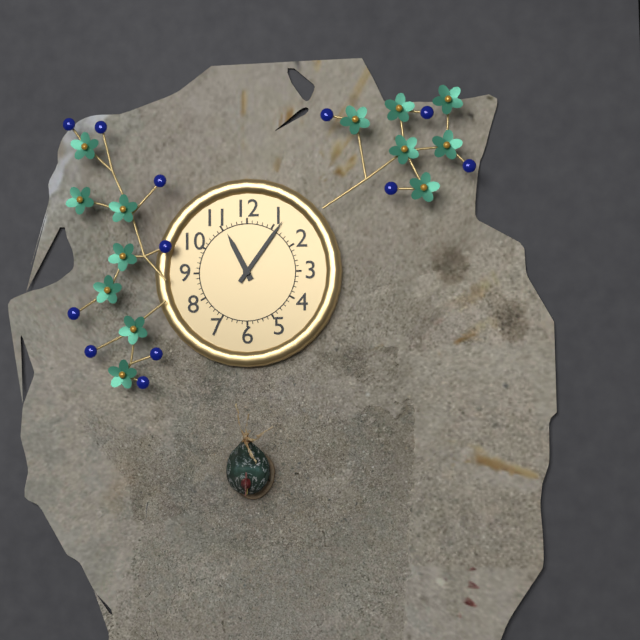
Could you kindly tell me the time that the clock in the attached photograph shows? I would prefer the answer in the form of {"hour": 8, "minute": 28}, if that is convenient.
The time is {"hour": 11, "minute": 6}
